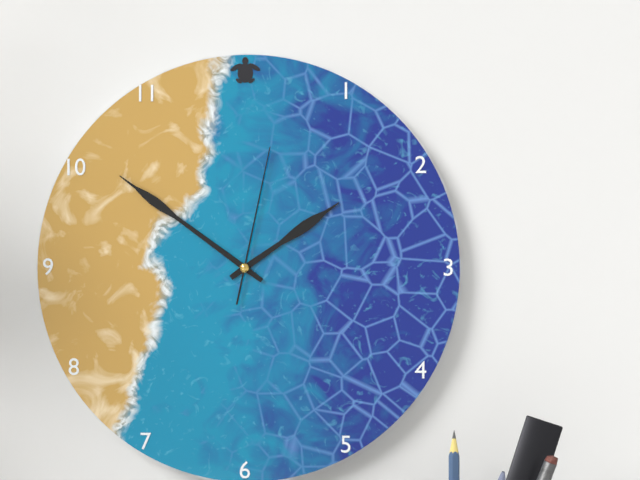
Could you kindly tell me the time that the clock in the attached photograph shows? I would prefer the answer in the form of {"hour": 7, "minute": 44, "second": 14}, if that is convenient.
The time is {"hour": 1, "minute": 51, "second": 2}
